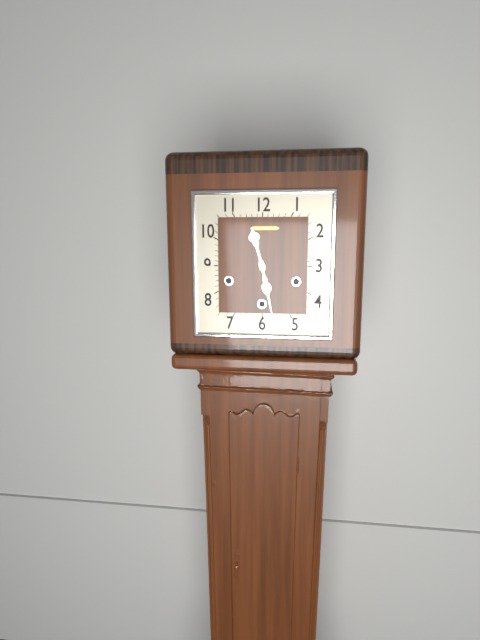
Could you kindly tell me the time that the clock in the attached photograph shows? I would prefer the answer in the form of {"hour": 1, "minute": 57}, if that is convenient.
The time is {"hour": 11, "minute": 28}
